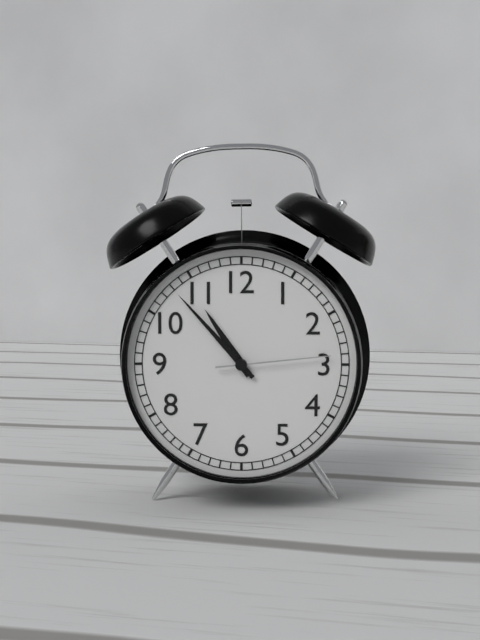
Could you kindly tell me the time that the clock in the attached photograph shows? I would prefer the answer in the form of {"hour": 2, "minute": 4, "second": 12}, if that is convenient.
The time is {"hour": 10, "minute": 53, "second": 14}
